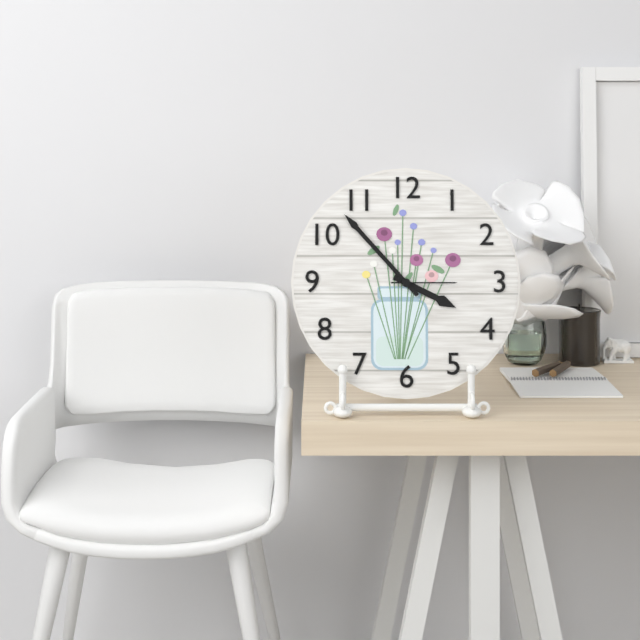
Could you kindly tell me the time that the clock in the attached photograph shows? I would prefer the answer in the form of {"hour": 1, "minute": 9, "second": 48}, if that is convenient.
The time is {"hour": 3, "minute": 53, "second": 15}
